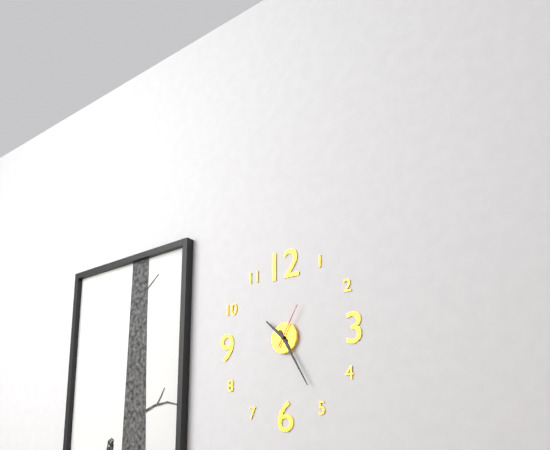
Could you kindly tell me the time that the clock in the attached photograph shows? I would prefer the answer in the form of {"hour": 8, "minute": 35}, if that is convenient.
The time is {"hour": 10, "minute": 25}
